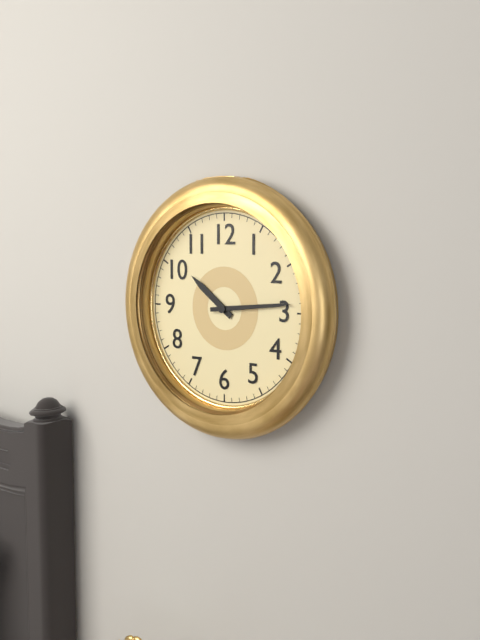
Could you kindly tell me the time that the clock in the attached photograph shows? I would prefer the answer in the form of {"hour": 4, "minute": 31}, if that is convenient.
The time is {"hour": 10, "minute": 14}
